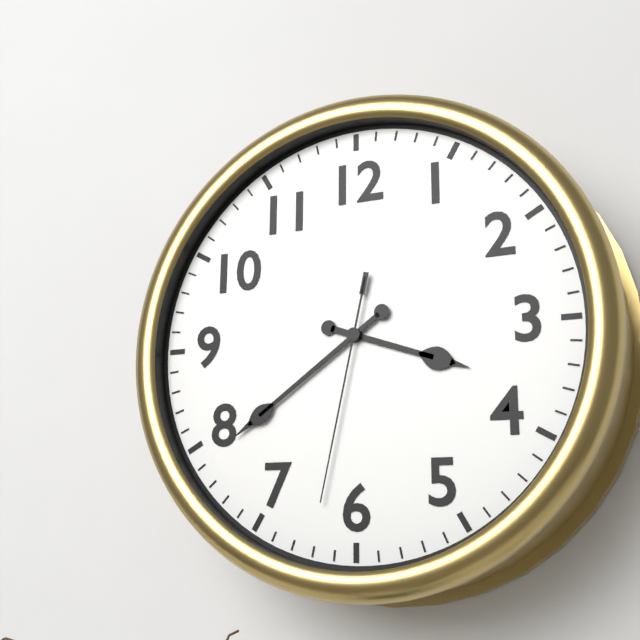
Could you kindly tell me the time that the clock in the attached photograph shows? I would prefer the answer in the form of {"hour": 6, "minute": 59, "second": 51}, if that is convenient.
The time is {"hour": 3, "minute": 39, "second": 32}
